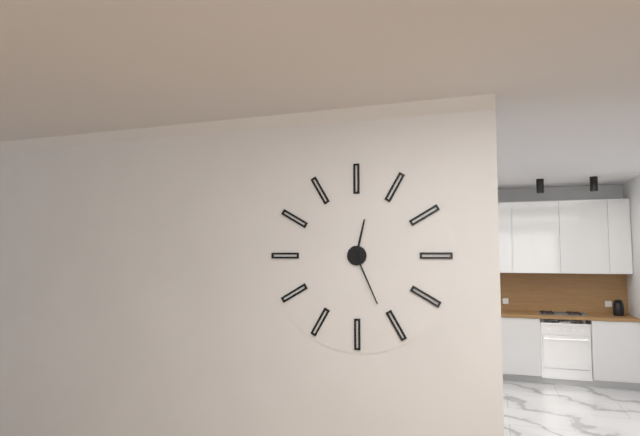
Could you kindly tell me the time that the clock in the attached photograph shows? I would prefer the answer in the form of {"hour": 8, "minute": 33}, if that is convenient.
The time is {"hour": 12, "minute": 26}
